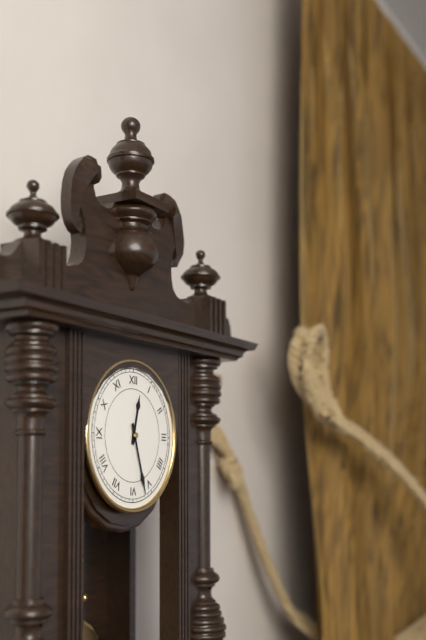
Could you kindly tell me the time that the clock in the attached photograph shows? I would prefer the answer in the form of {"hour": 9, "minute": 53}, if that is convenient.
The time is {"hour": 12, "minute": 27}
